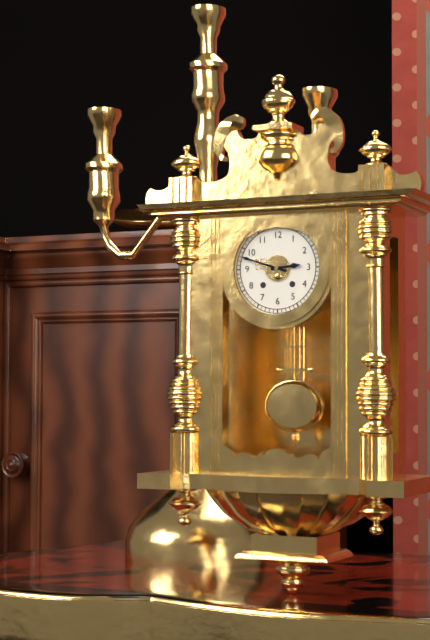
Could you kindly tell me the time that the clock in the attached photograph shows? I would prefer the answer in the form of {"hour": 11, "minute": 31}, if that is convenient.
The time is {"hour": 2, "minute": 48}
